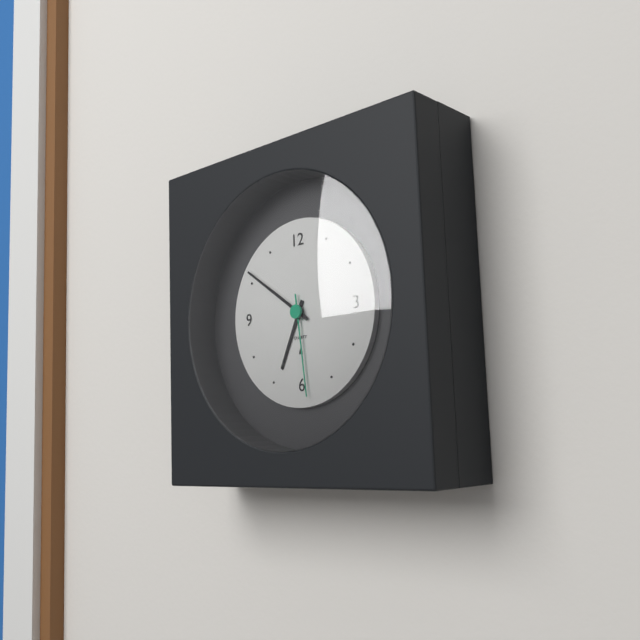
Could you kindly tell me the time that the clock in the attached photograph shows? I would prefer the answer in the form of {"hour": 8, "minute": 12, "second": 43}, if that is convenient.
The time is {"hour": 6, "minute": 51, "second": 29}
